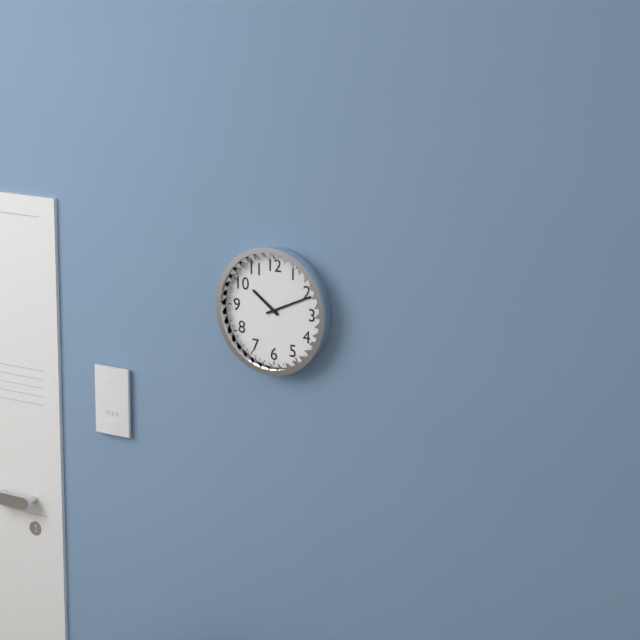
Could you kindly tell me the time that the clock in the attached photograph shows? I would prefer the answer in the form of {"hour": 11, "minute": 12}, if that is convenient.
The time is {"hour": 10, "minute": 11}
